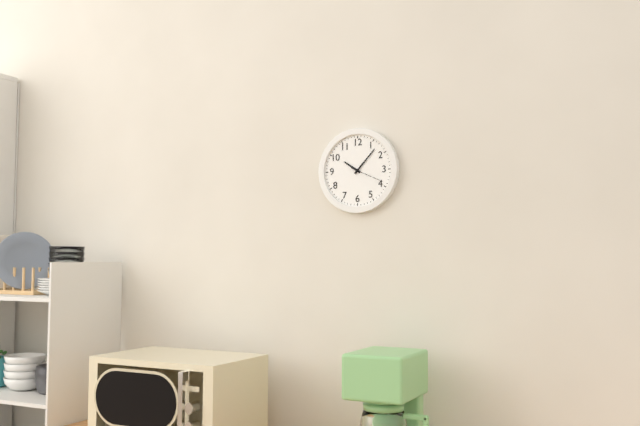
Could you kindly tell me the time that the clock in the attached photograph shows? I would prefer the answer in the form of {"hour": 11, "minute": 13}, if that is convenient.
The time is {"hour": 10, "minute": 7}
